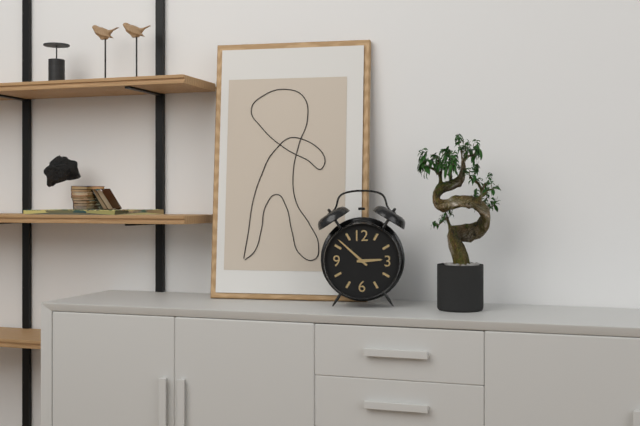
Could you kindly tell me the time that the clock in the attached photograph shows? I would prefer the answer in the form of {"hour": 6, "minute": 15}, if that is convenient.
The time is {"hour": 2, "minute": 52}
